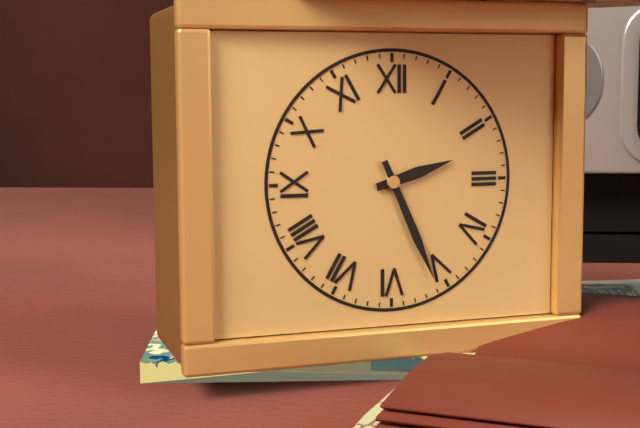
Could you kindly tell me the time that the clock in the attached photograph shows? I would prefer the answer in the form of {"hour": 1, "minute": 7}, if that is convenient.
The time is {"hour": 2, "minute": 26}
